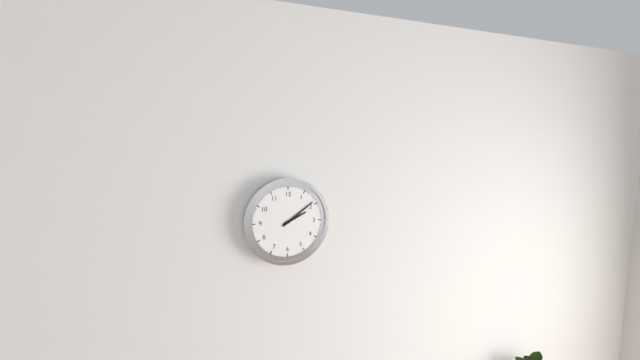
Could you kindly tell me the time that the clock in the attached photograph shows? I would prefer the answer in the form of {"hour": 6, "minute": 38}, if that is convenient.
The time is {"hour": 2, "minute": 9}
